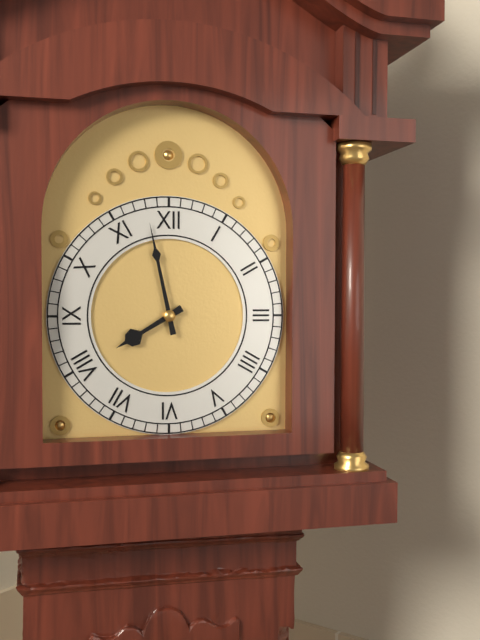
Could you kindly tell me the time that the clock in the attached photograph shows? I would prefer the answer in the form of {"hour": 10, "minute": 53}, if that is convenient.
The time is {"hour": 7, "minute": 58}
